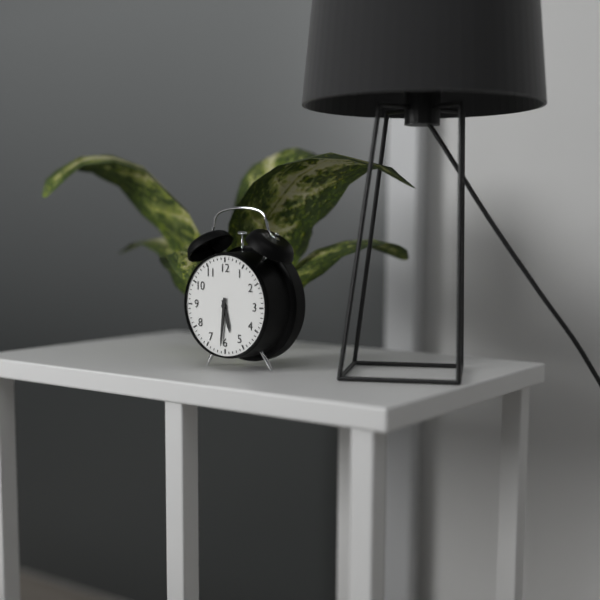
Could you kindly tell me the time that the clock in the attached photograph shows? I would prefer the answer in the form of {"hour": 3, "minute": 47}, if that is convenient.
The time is {"hour": 5, "minute": 31}
